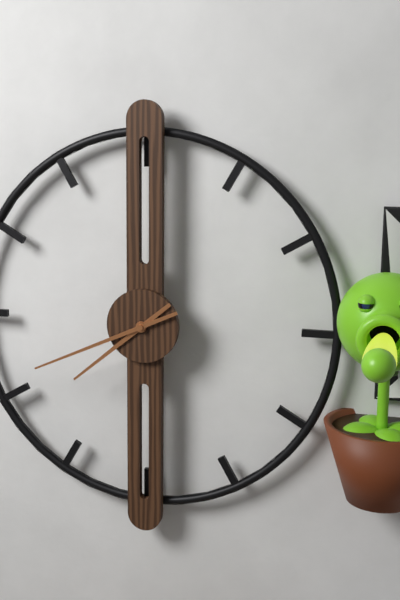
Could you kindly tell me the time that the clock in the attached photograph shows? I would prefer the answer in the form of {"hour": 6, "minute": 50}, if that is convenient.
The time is {"hour": 7, "minute": 41}
